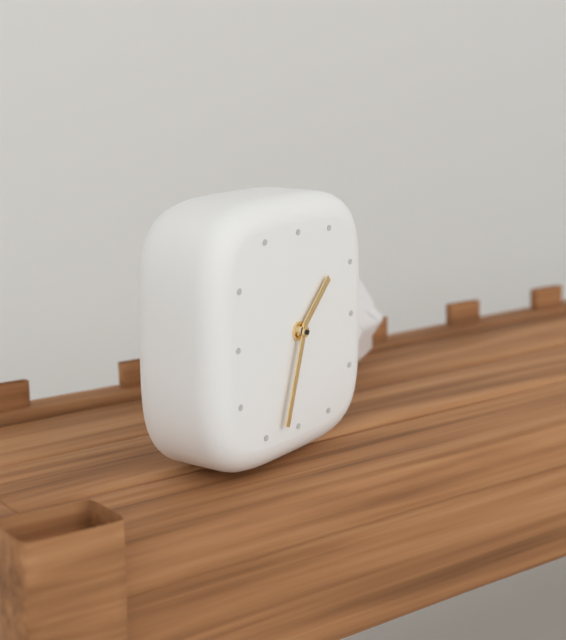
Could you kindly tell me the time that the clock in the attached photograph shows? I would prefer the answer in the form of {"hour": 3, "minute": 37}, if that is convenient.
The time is {"hour": 1, "minute": 33}
